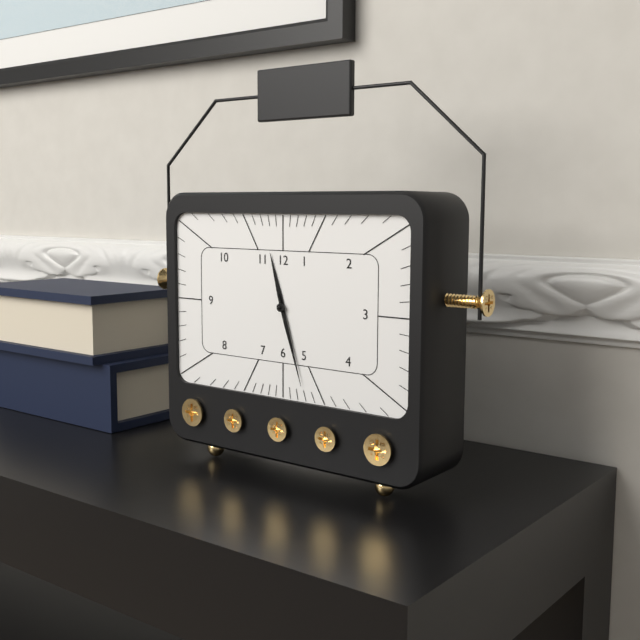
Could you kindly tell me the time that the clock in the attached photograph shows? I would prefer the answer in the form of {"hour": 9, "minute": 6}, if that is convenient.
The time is {"hour": 11, "minute": 27}
